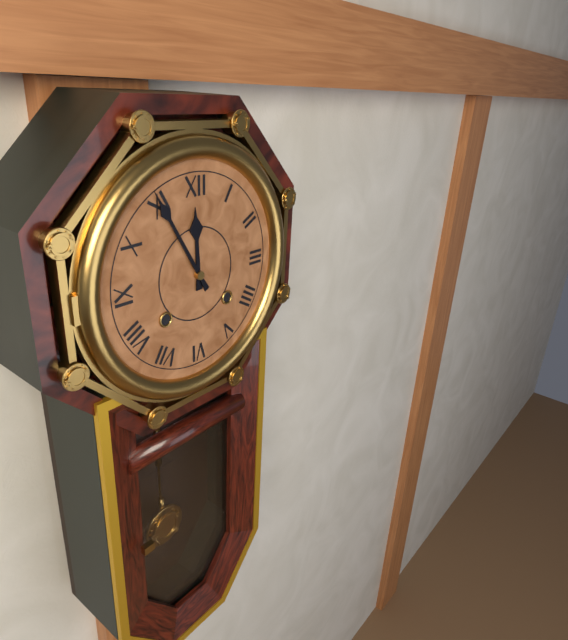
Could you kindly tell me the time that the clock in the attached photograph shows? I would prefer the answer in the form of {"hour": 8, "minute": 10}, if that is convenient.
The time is {"hour": 11, "minute": 55}
